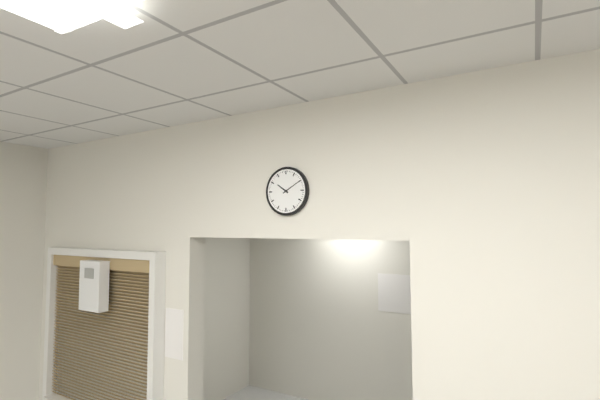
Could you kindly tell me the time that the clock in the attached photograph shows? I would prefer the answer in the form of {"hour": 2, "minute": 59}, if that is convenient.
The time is {"hour": 10, "minute": 10}
